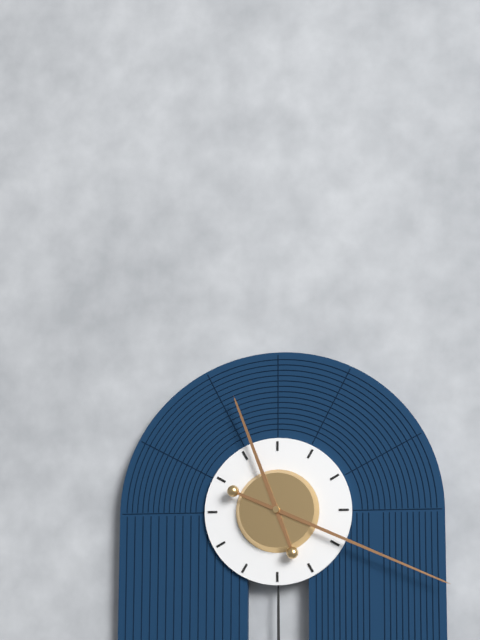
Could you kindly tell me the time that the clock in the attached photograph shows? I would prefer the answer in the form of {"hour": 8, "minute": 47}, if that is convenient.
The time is {"hour": 11, "minute": 19}
